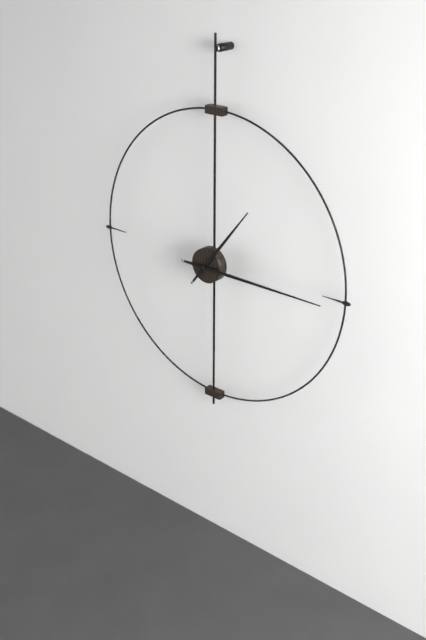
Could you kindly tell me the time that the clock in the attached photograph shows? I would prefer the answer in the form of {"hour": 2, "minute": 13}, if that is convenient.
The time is {"hour": 1, "minute": 15}
